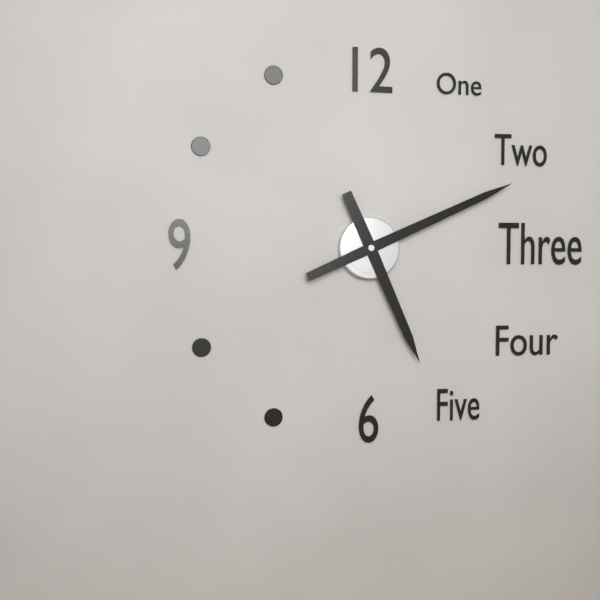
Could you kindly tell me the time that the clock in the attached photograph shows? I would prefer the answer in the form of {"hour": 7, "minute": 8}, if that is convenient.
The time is {"hour": 5, "minute": 11}
